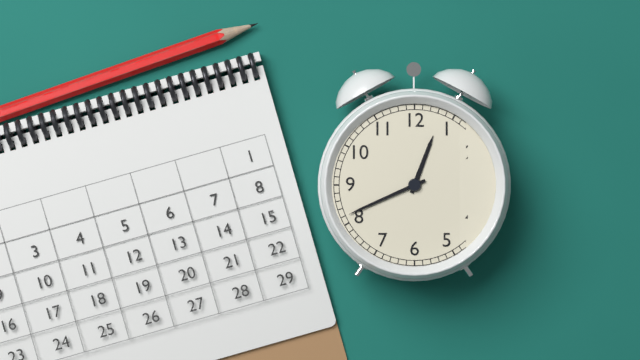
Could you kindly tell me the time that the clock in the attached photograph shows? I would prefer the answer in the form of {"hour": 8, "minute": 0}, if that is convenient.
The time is {"hour": 12, "minute": 41}
